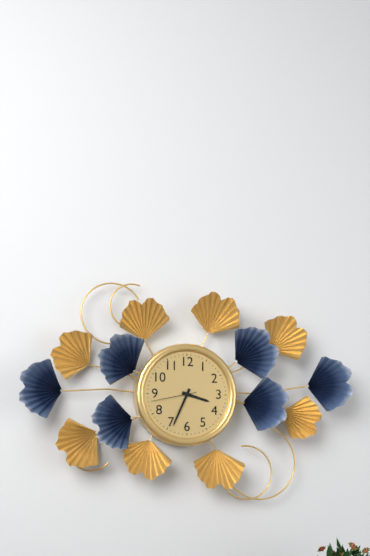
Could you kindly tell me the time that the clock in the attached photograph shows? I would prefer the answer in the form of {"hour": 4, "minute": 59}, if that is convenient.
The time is {"hour": 3, "minute": 34}
